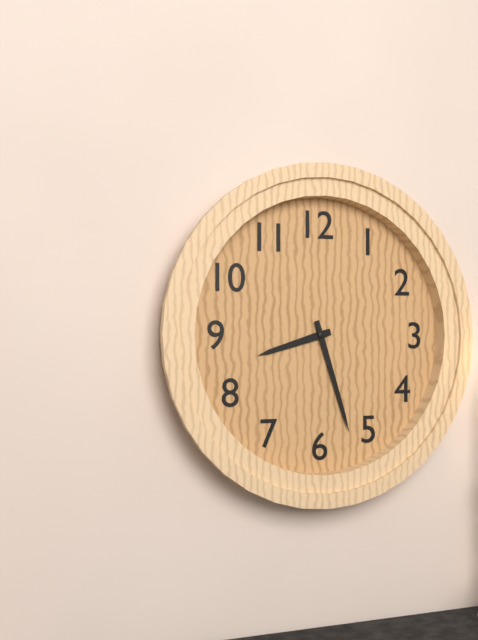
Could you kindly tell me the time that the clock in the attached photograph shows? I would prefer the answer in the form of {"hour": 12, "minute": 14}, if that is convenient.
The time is {"hour": 8, "minute": 27}
